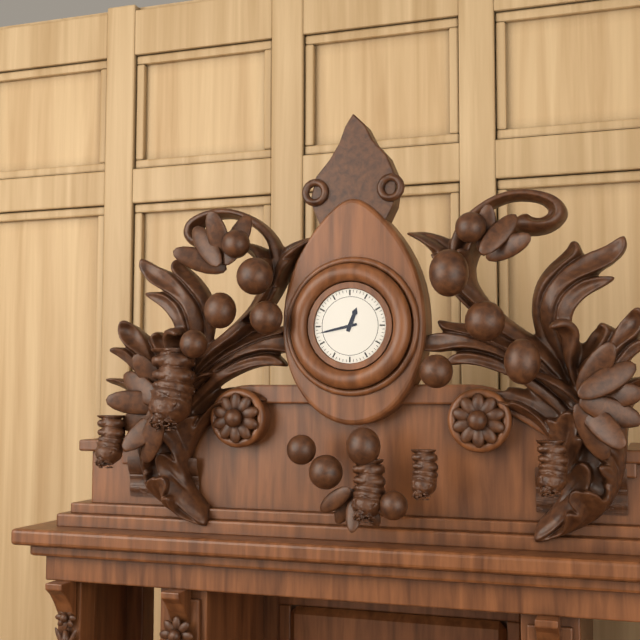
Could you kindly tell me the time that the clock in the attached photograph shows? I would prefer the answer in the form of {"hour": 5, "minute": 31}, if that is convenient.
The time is {"hour": 12, "minute": 43}
